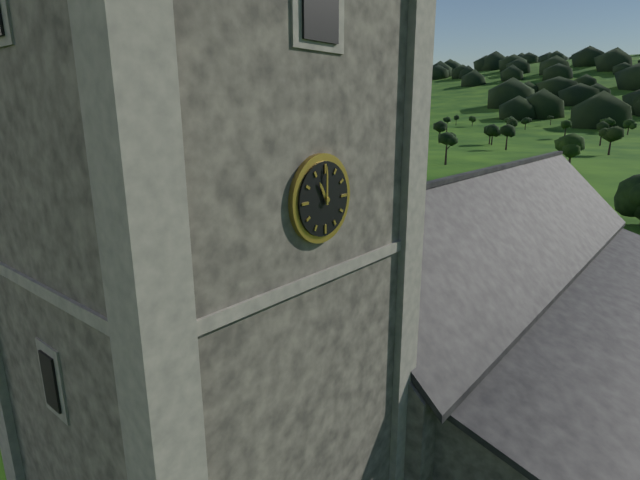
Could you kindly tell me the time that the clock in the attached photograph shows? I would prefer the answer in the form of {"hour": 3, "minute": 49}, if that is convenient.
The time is {"hour": 11, "minute": 0}
